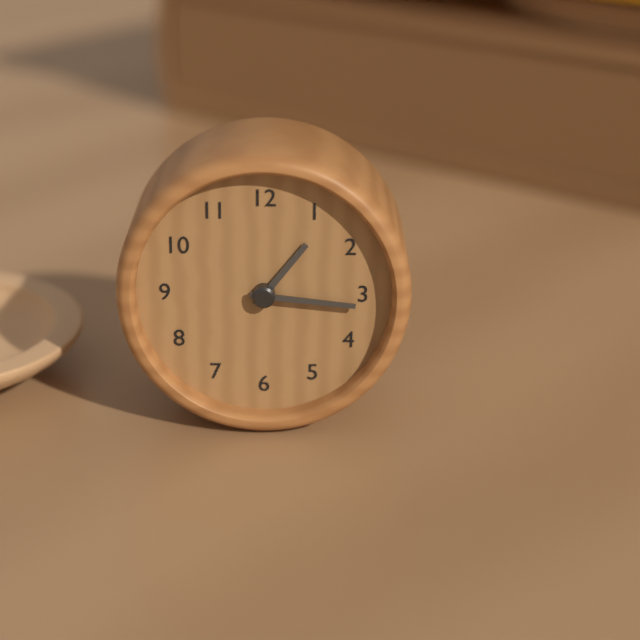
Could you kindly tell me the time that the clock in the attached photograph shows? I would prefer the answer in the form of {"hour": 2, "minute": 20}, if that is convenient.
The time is {"hour": 1, "minute": 16}
